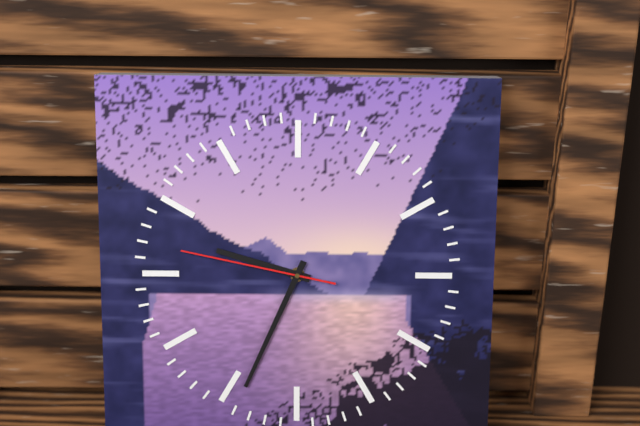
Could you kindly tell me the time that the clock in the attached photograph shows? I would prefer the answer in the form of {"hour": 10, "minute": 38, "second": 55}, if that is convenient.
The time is {"hour": 9, "minute": 34, "second": 47}
